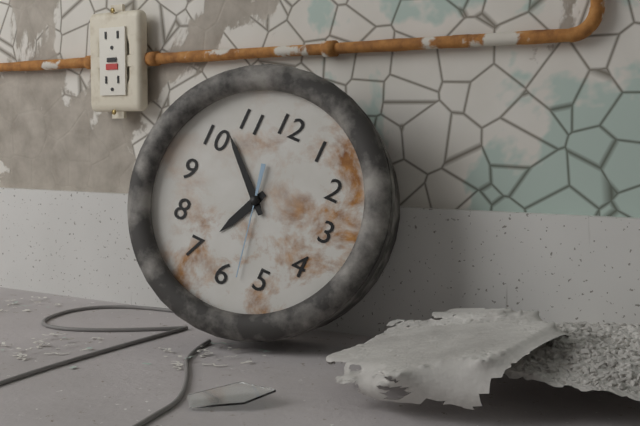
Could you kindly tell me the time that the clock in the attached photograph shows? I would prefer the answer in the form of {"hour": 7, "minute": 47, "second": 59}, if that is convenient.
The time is {"hour": 6, "minute": 52, "second": 28}
